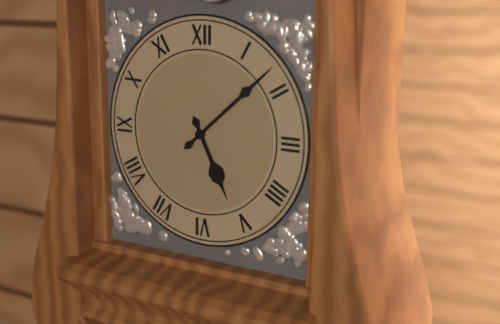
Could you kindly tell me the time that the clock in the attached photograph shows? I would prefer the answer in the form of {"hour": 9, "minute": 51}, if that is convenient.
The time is {"hour": 5, "minute": 8}
